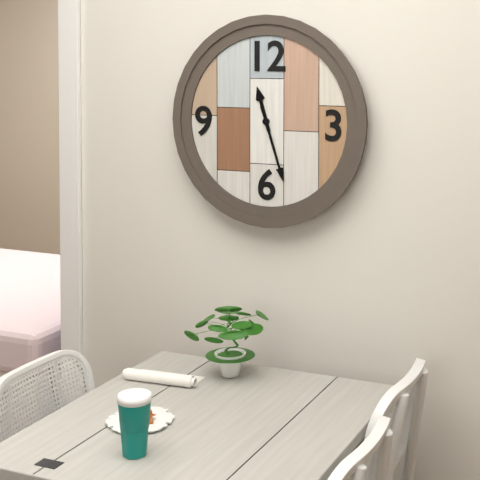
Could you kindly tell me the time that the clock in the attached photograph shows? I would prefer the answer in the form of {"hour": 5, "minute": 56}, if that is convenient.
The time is {"hour": 11, "minute": 27}
